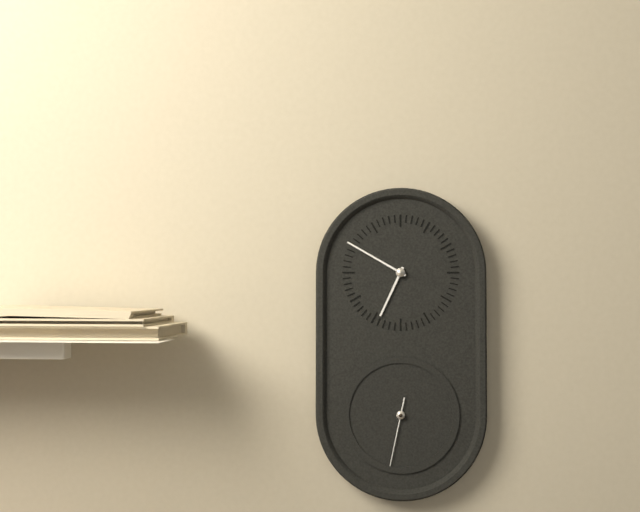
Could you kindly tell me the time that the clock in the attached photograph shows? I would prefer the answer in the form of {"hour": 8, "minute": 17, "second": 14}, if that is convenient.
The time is {"hour": 6, "minute": 50, "second": 32}
